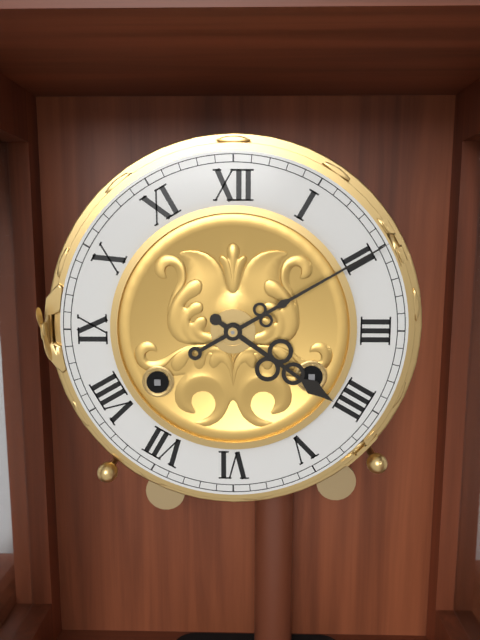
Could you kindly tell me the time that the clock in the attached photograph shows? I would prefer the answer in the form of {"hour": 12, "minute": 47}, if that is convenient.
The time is {"hour": 4, "minute": 10}
